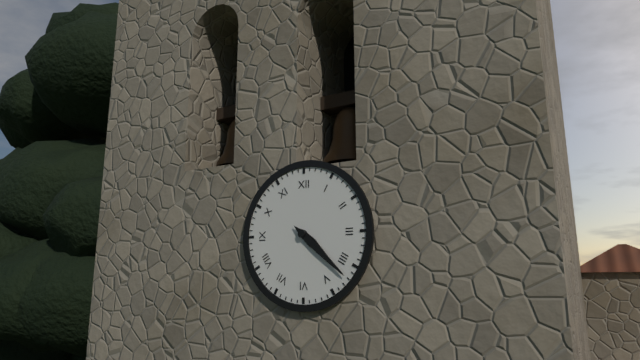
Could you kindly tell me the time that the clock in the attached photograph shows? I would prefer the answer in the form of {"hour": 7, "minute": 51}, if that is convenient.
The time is {"hour": 4, "minute": 22}
